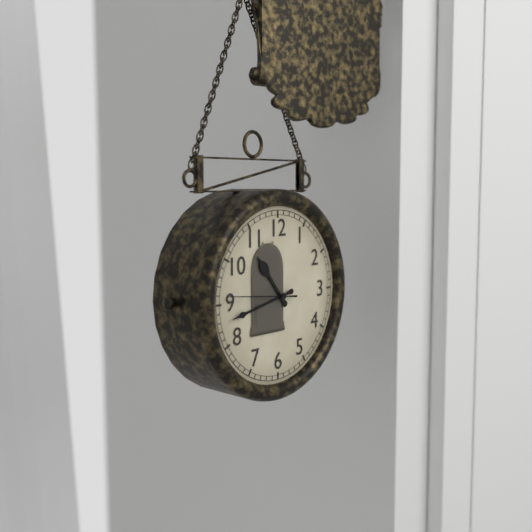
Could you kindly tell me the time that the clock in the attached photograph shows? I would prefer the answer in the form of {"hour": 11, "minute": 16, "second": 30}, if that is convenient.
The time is {"hour": 10, "minute": 43, "second": 46}
